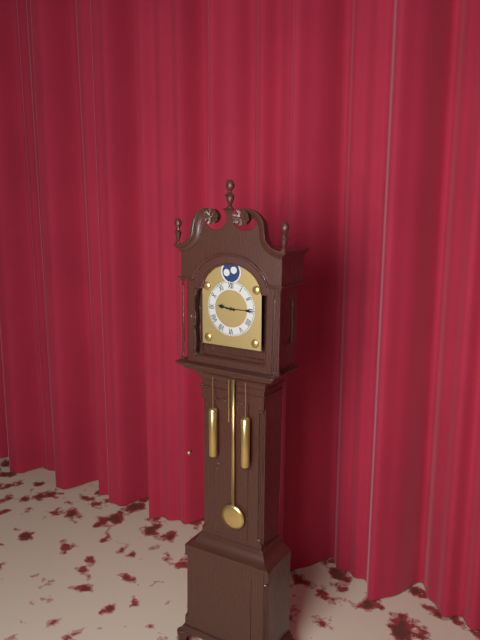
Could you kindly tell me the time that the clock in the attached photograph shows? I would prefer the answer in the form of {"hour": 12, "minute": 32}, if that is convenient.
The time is {"hour": 9, "minute": 15}
